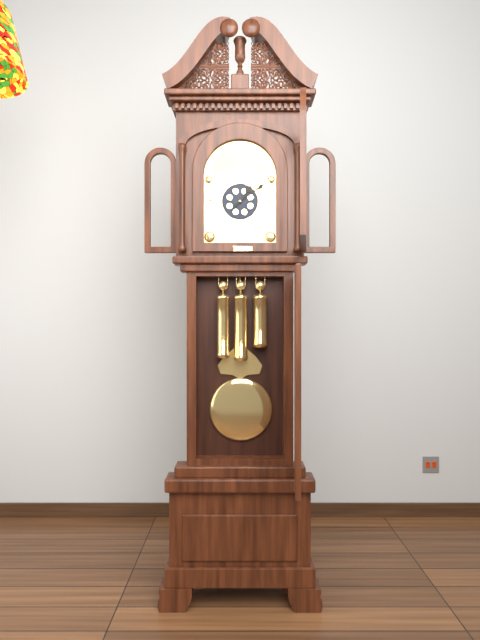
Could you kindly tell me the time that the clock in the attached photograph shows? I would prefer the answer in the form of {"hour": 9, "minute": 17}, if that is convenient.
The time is {"hour": 1, "minute": 9}
